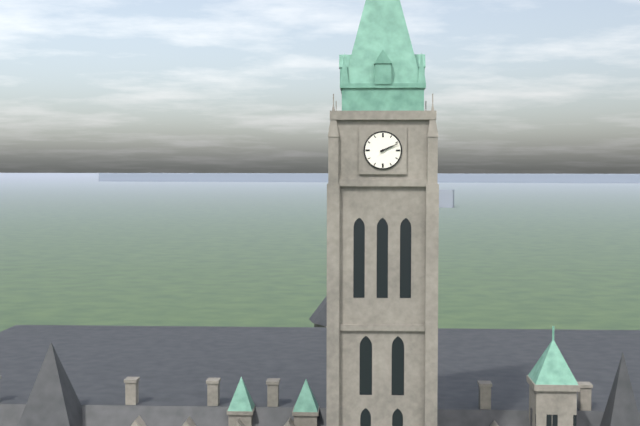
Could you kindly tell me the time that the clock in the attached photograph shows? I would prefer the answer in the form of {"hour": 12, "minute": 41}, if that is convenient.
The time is {"hour": 2, "minute": 11}
